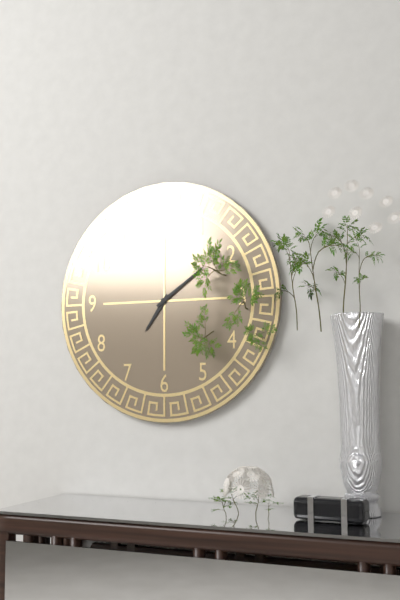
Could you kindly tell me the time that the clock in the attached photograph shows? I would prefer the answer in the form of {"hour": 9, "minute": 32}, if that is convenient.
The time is {"hour": 7, "minute": 9}
